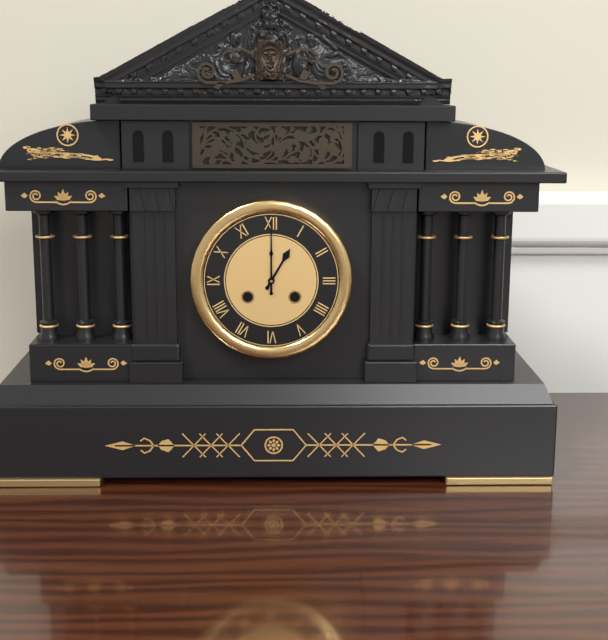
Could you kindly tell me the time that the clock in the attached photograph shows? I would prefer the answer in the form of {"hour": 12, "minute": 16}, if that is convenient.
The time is {"hour": 1, "minute": 0}
